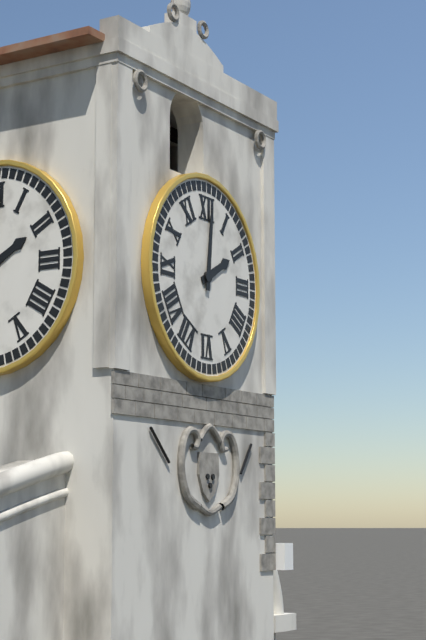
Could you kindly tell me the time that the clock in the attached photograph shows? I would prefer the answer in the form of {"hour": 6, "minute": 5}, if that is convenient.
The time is {"hour": 2, "minute": 1}
